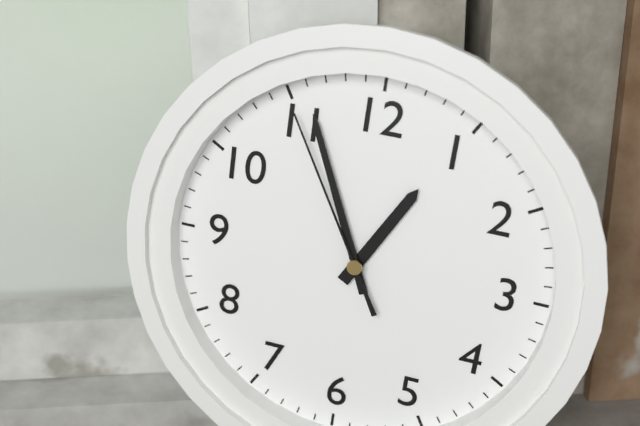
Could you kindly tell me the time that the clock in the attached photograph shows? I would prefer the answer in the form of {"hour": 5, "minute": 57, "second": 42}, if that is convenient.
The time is {"hour": 12, "minute": 56, "second": 55}
